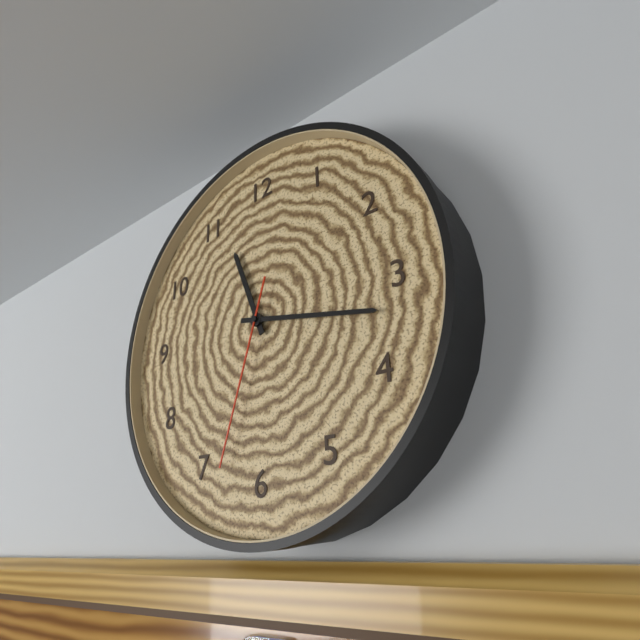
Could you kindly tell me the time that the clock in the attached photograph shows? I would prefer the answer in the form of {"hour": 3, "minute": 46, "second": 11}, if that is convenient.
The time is {"hour": 11, "minute": 17, "second": 33}
